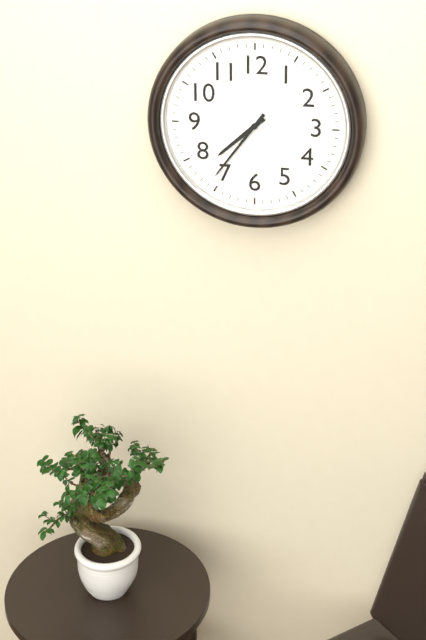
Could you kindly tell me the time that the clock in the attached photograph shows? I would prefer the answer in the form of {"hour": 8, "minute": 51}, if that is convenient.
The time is {"hour": 7, "minute": 36}
